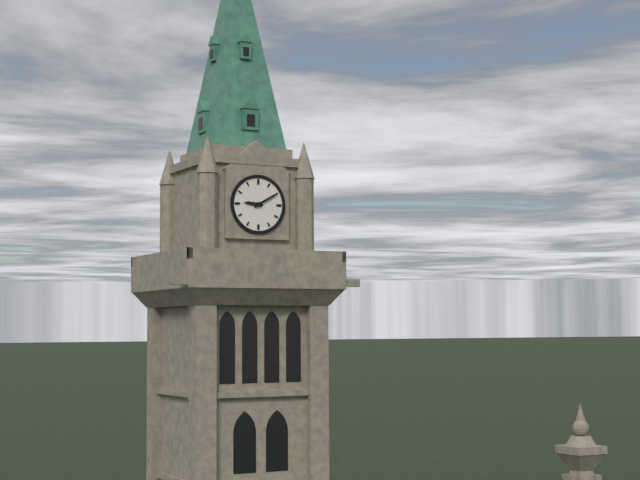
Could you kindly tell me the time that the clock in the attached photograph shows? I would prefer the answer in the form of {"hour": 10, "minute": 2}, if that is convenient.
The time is {"hour": 9, "minute": 10}
